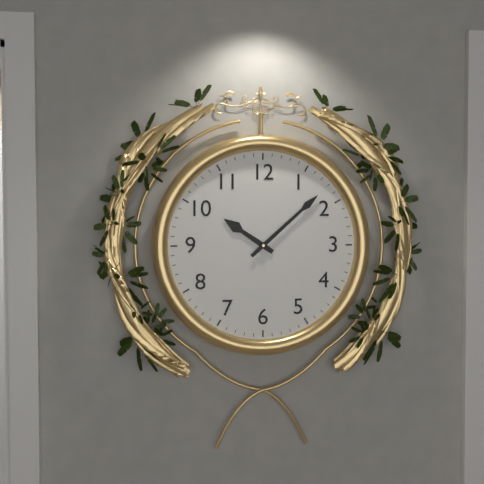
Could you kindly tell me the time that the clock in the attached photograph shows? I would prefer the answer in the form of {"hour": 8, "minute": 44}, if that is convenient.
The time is {"hour": 10, "minute": 8}
